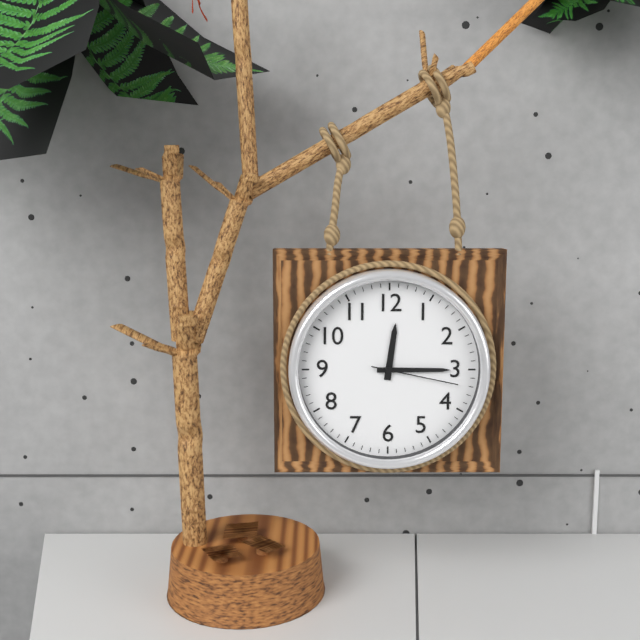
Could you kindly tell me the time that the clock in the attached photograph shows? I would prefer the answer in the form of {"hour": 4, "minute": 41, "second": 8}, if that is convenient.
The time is {"hour": 12, "minute": 15, "second": 17}
